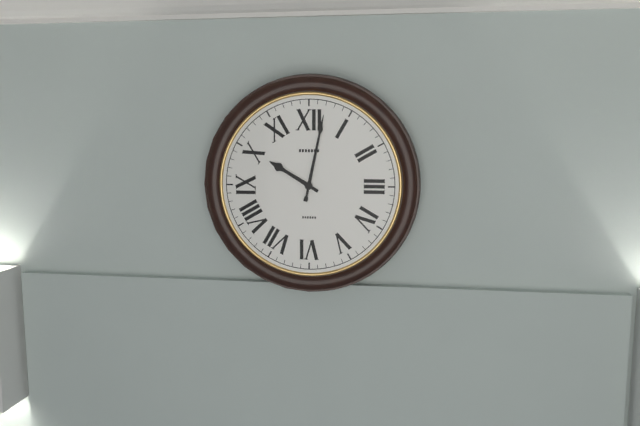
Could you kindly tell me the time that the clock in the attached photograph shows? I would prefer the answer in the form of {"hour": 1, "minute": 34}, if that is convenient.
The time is {"hour": 10, "minute": 2}
